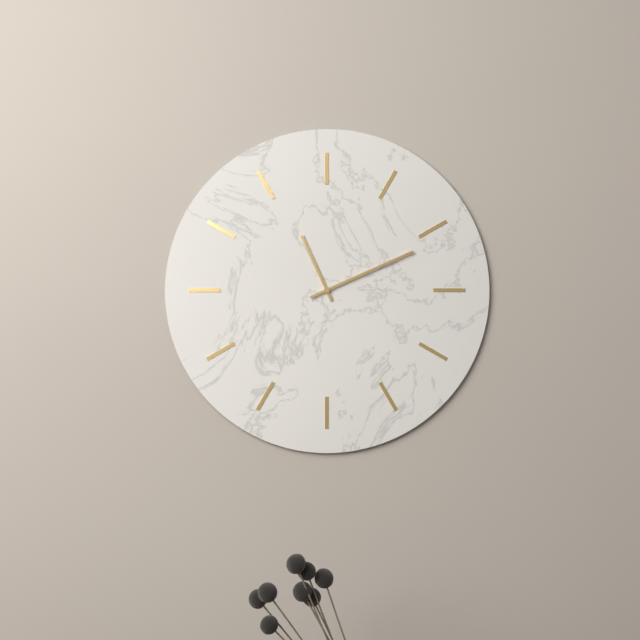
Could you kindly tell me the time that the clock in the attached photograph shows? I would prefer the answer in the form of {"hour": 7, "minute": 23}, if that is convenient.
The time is {"hour": 11, "minute": 11}
